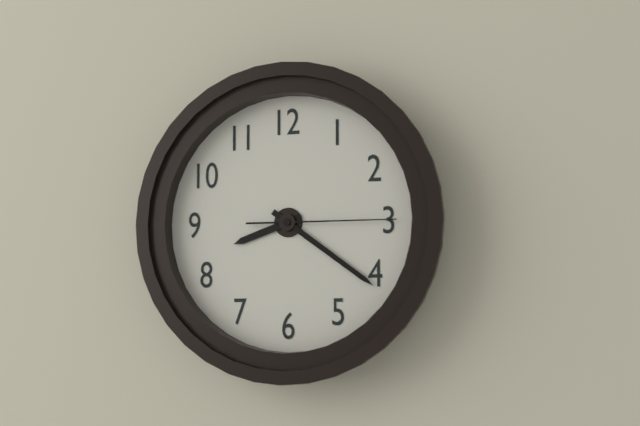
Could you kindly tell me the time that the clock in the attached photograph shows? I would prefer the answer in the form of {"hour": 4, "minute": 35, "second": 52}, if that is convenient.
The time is {"hour": 8, "minute": 21, "second": 15}
